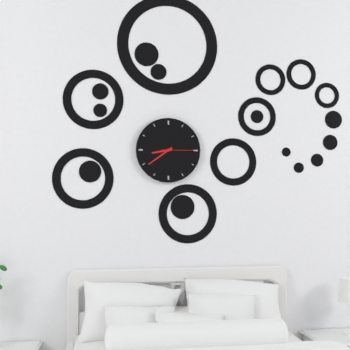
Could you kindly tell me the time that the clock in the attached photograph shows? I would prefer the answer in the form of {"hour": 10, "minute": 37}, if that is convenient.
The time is {"hour": 8, "minute": 39}
